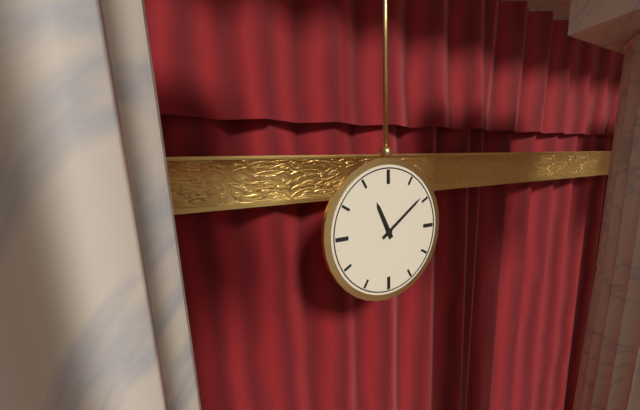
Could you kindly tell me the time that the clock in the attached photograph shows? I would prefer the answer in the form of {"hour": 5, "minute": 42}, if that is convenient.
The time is {"hour": 11, "minute": 9}
